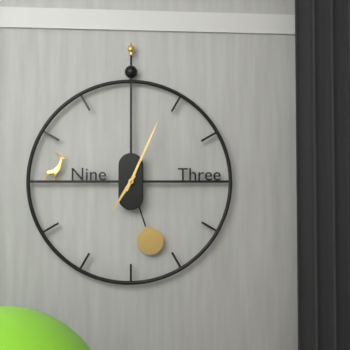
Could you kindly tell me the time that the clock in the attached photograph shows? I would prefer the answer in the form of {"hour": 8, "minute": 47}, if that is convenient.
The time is {"hour": 7, "minute": 4}
